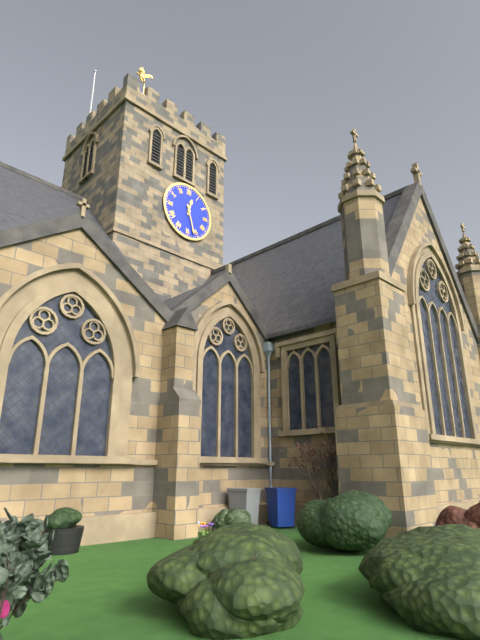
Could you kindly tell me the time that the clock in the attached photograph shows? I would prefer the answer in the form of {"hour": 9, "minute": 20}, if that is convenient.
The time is {"hour": 12, "minute": 27}
